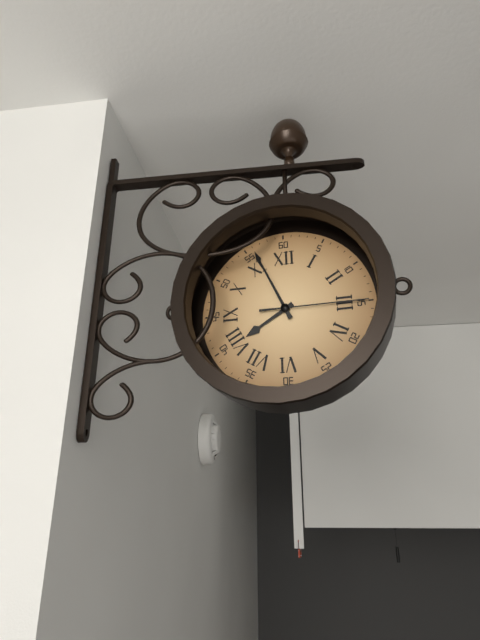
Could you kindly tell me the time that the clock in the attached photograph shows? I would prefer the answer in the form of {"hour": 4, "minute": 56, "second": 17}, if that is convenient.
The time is {"hour": 7, "minute": 56, "second": 15}
